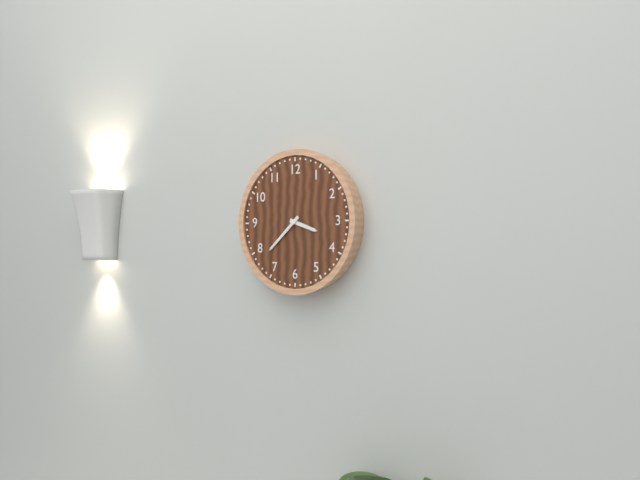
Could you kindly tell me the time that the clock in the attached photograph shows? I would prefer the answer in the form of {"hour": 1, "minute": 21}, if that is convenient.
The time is {"hour": 3, "minute": 38}
